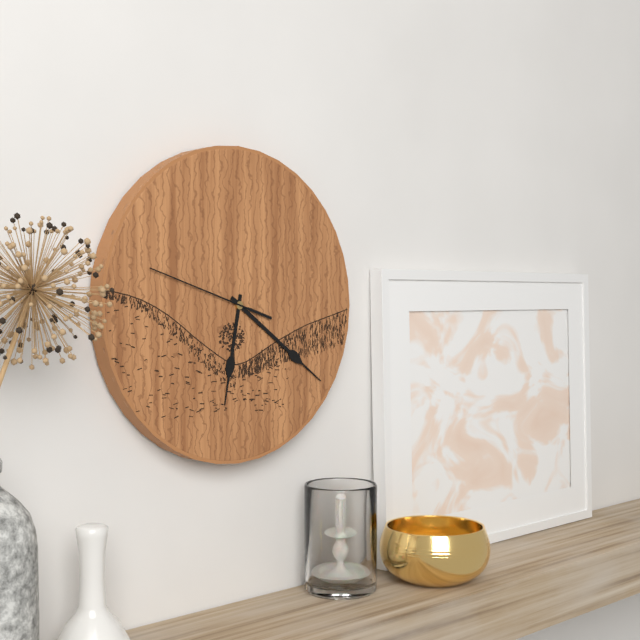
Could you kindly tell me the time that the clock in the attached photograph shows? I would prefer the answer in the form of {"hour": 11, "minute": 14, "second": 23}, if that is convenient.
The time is {"hour": 6, "minute": 21, "second": 48}
